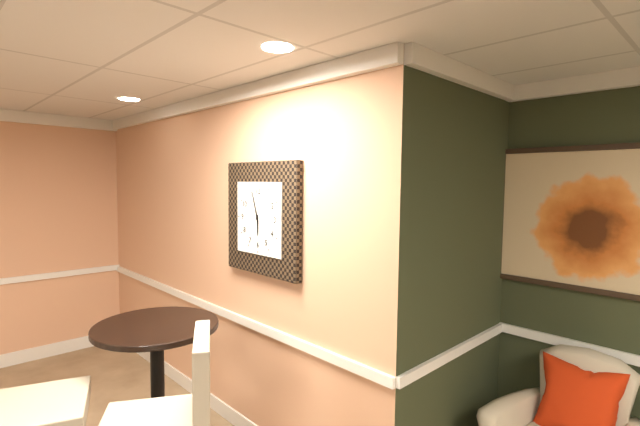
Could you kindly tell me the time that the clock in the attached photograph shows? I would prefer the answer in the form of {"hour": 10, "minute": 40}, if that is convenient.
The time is {"hour": 5, "minute": 57}
